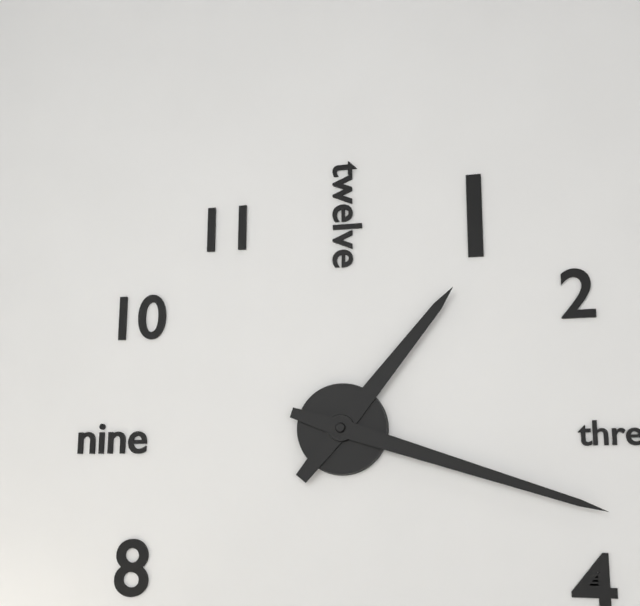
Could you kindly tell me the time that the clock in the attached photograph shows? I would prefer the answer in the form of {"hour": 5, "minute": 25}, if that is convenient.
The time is {"hour": 1, "minute": 18}
